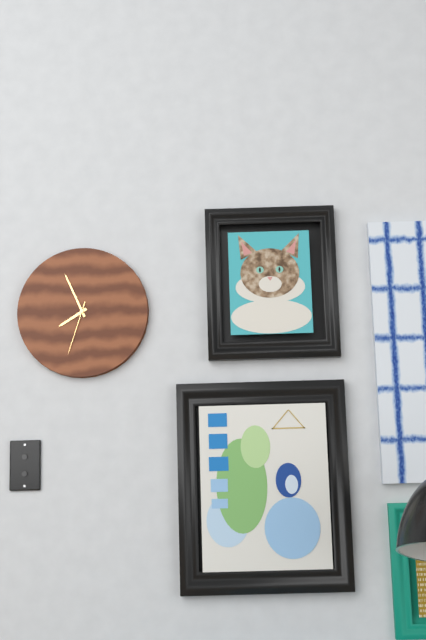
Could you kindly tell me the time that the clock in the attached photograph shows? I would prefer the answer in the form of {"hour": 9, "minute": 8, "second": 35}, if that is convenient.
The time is {"hour": 7, "minute": 56, "second": 33}
